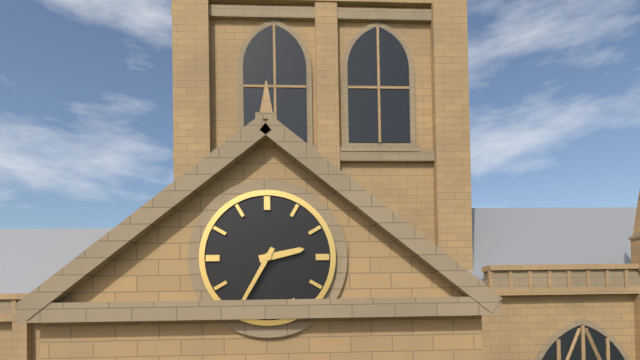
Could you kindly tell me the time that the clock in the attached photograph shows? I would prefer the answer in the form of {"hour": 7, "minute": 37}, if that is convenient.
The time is {"hour": 2, "minute": 35}
